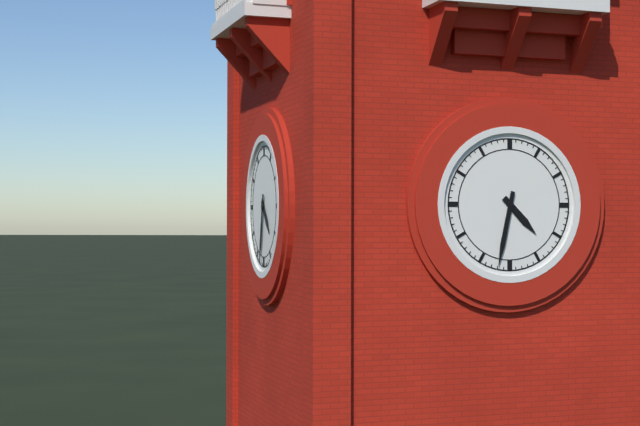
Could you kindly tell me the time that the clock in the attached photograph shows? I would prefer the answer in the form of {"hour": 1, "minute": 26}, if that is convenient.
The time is {"hour": 4, "minute": 32}
